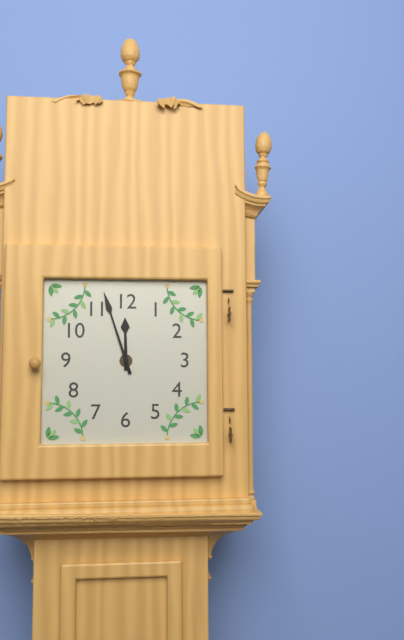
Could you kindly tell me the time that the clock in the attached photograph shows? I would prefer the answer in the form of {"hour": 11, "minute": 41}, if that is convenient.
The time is {"hour": 11, "minute": 57}
